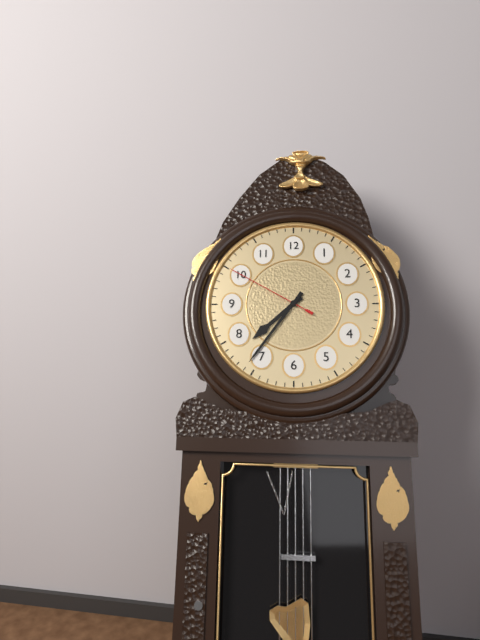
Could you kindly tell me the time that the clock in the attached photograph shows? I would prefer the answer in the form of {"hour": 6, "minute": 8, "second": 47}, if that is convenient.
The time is {"hour": 7, "minute": 36, "second": 50}
